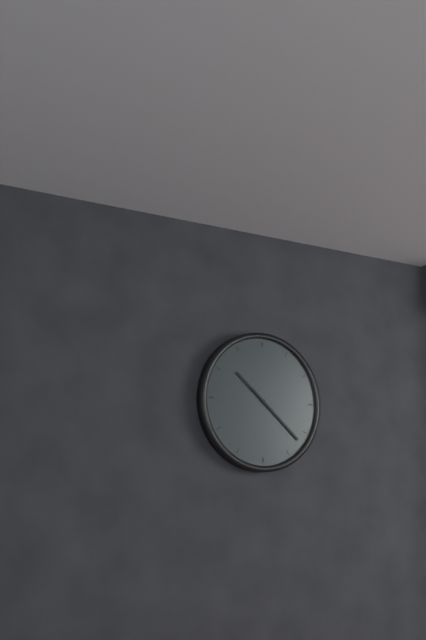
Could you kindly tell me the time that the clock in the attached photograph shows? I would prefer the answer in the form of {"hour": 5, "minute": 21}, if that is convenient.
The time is {"hour": 10, "minute": 22}
